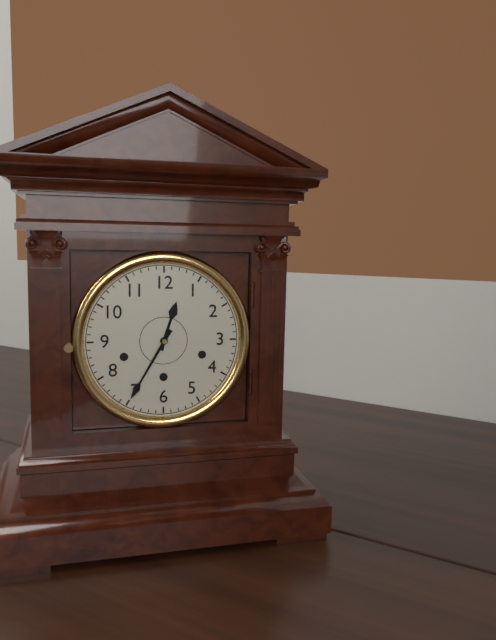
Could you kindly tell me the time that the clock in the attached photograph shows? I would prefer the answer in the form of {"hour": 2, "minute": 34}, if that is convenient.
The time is {"hour": 12, "minute": 35}
